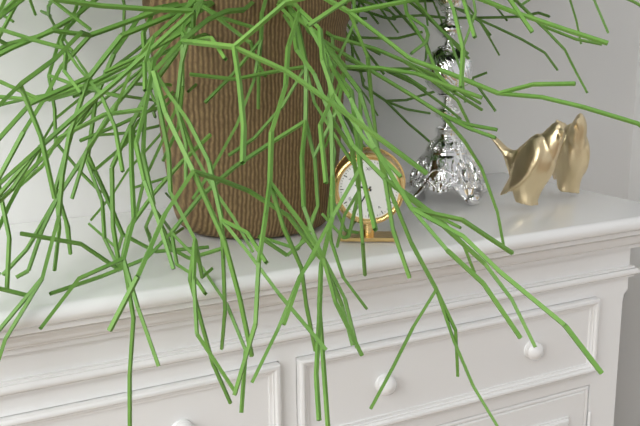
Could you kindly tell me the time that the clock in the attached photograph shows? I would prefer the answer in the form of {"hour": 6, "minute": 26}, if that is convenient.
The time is {"hour": 9, "minute": 35}
